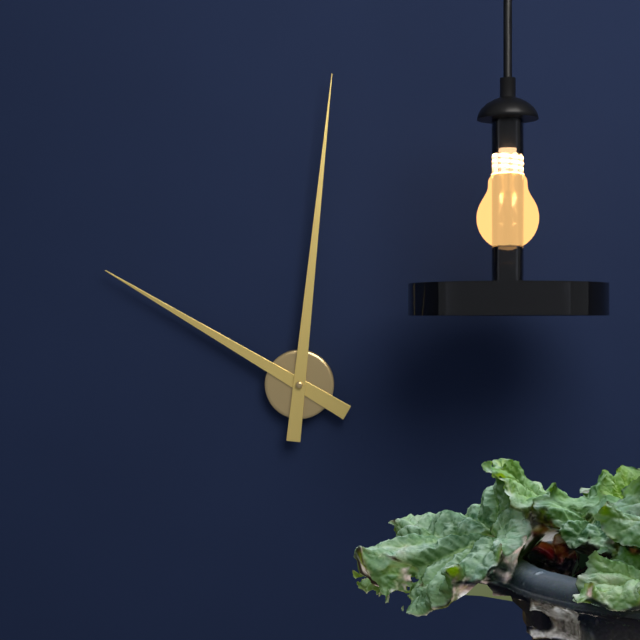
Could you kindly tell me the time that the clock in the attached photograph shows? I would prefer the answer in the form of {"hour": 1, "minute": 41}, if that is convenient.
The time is {"hour": 10, "minute": 1}
